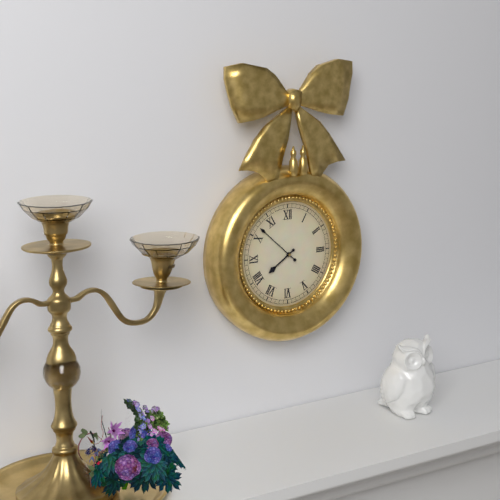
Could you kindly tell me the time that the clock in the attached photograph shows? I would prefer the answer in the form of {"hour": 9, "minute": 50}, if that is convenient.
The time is {"hour": 7, "minute": 52}
